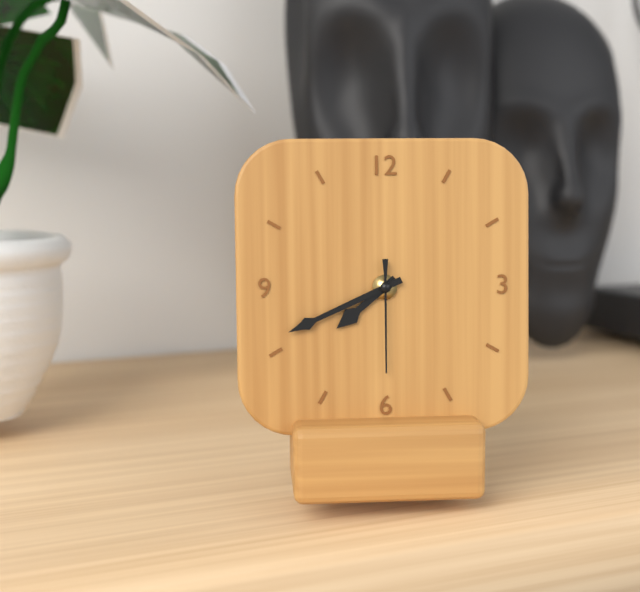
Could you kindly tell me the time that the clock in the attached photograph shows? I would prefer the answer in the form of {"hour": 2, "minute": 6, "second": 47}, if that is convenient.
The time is {"hour": 7, "minute": 41, "second": 30}
